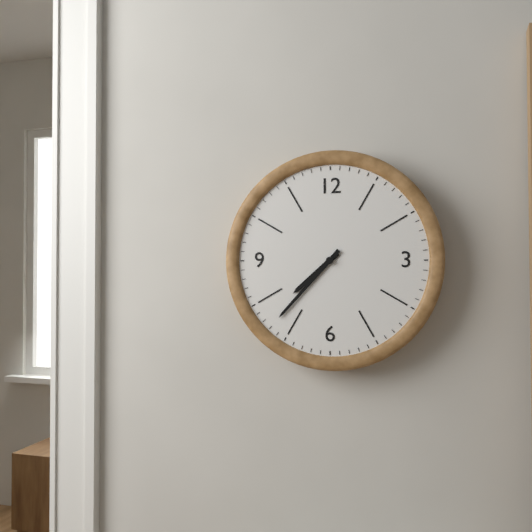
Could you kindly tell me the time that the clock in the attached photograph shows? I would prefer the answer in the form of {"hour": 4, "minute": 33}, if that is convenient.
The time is {"hour": 7, "minute": 37}
